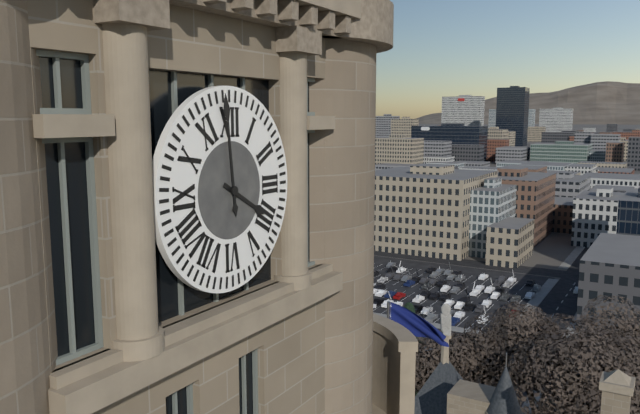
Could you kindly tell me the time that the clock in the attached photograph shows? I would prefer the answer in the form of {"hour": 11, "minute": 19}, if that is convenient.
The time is {"hour": 3, "minute": 59}
